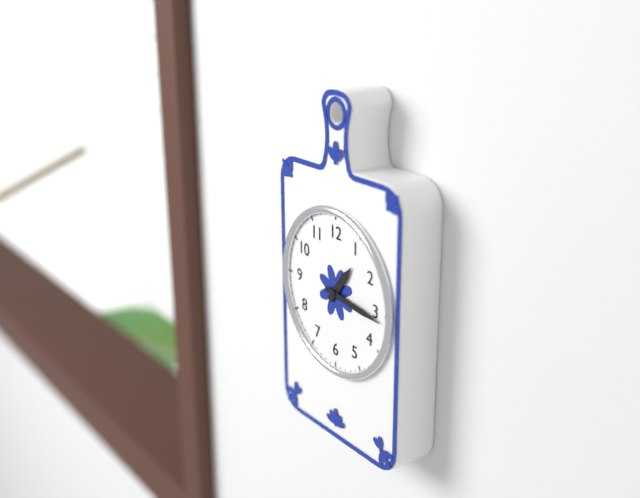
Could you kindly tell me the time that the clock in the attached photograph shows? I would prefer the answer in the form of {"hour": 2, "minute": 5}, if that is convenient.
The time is {"hour": 1, "minute": 16}
